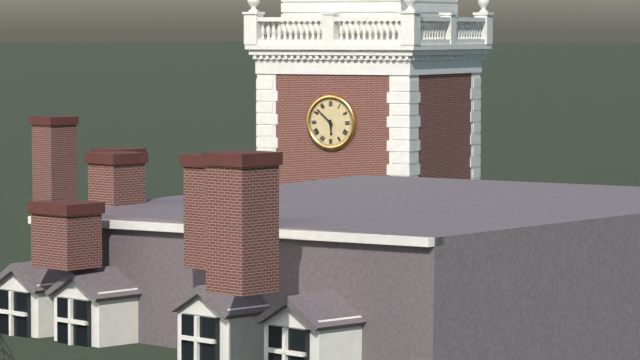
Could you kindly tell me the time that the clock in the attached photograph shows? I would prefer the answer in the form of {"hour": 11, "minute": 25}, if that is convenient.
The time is {"hour": 5, "minute": 52}
